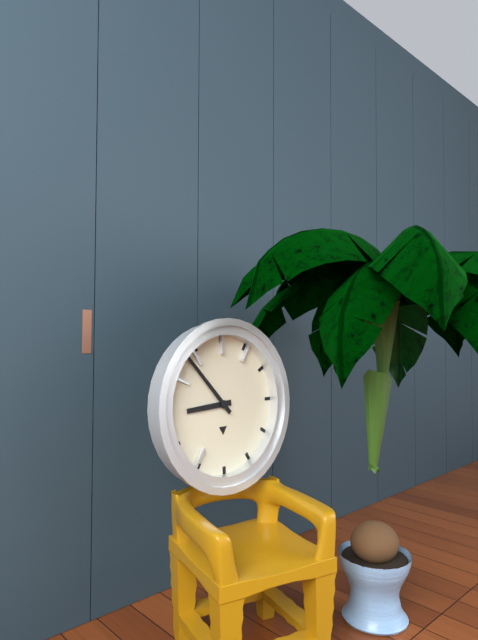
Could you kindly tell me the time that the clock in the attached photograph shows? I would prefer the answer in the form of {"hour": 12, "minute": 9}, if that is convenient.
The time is {"hour": 8, "minute": 53}
